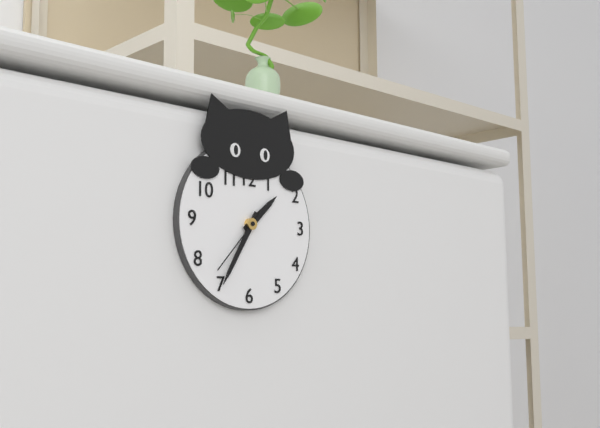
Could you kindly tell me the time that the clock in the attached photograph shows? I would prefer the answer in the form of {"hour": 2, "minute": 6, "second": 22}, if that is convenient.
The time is {"hour": 1, "minute": 35, "second": 37}
